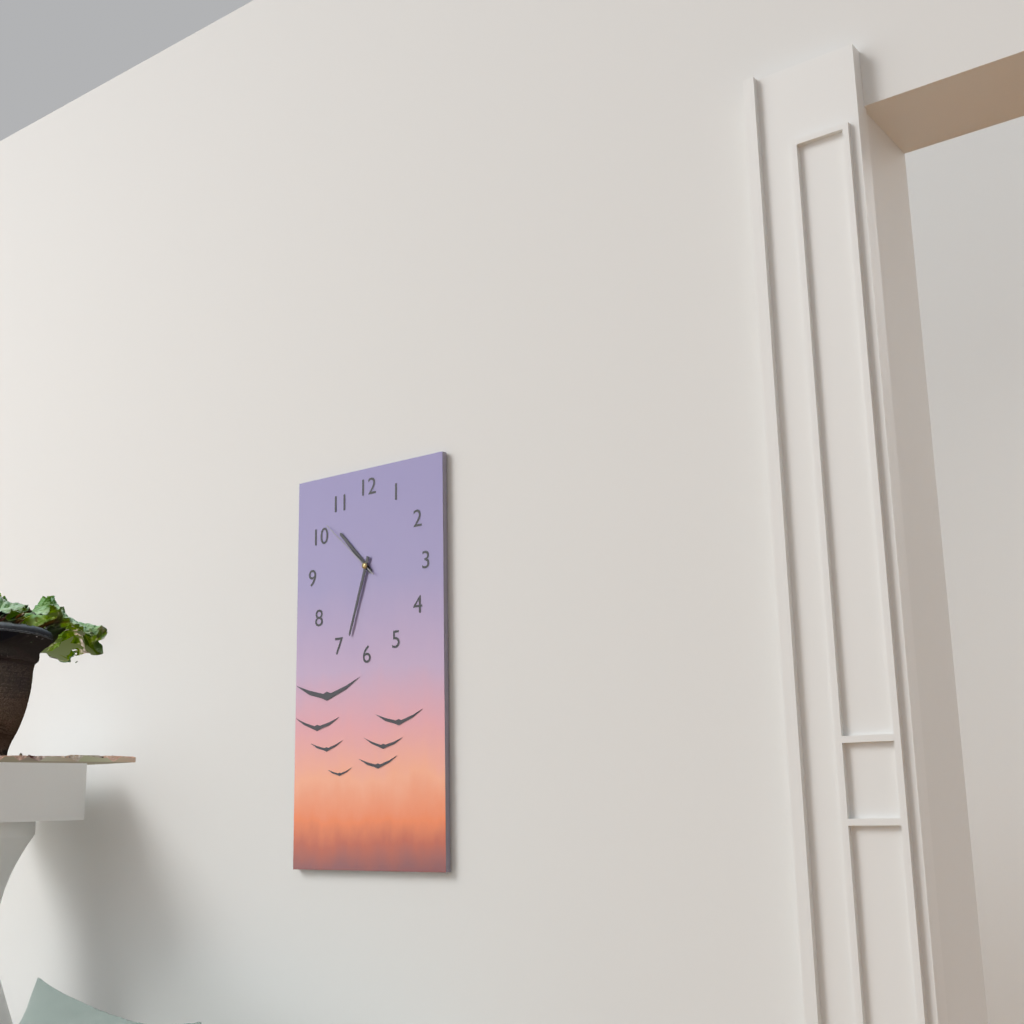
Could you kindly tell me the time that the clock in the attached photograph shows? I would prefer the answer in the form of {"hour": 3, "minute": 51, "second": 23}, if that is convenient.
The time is {"hour": 10, "minute": 33, "second": 52}
